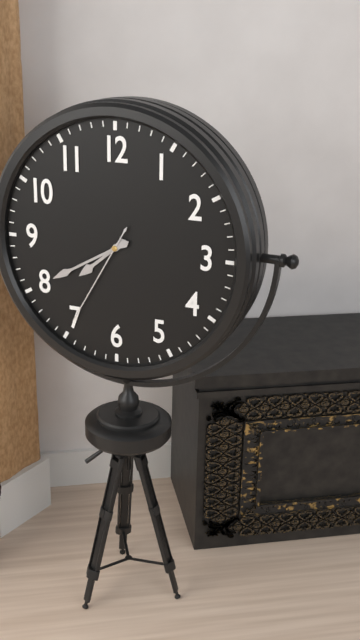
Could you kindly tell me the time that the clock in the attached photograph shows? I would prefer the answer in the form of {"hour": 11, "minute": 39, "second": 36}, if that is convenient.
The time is {"hour": 7, "minute": 40, "second": 35}
